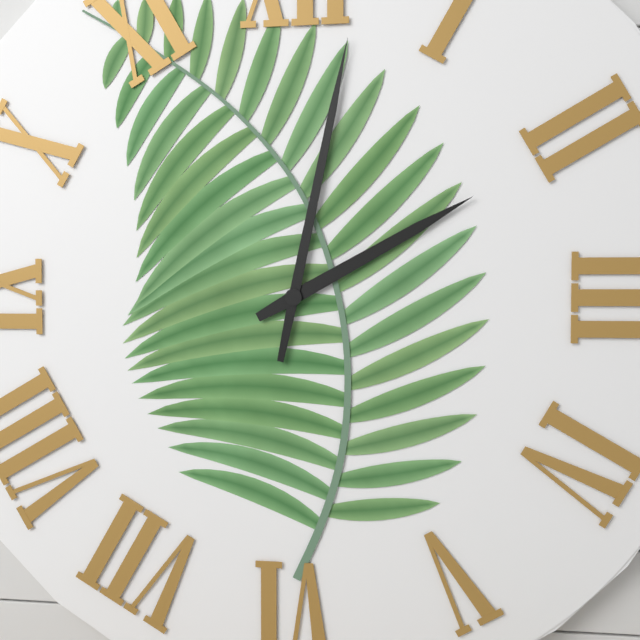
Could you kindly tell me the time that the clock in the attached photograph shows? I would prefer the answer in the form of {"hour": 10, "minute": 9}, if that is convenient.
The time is {"hour": 2, "minute": 2}
